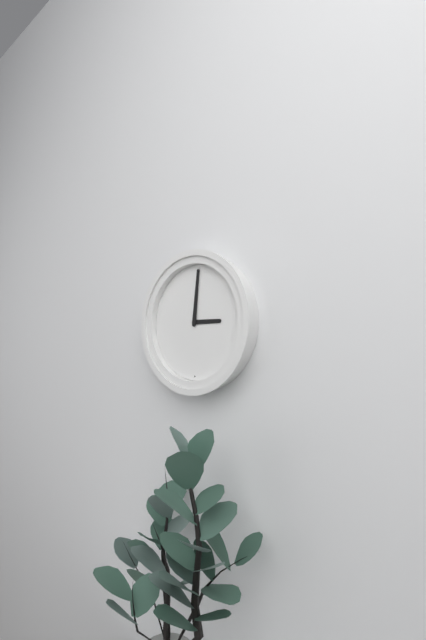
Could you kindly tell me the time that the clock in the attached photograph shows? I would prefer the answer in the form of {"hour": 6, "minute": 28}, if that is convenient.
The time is {"hour": 3, "minute": 1}
